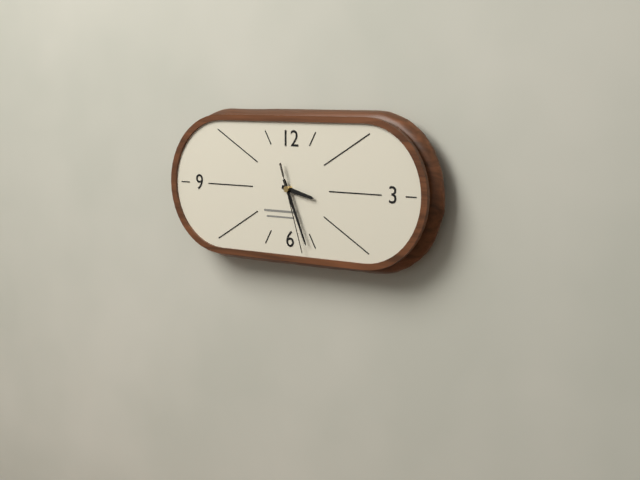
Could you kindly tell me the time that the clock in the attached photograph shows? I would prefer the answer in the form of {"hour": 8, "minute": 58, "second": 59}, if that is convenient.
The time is {"hour": 3, "minute": 26, "second": 27}
